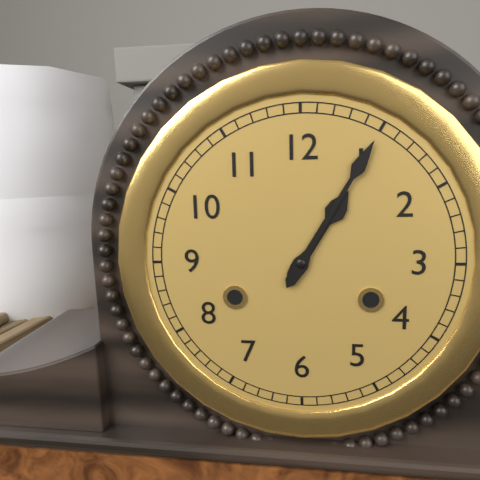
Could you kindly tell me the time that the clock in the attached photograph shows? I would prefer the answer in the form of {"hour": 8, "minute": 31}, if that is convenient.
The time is {"hour": 1, "minute": 5}
